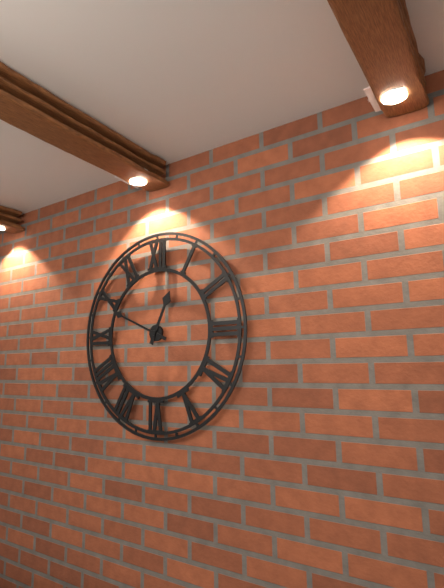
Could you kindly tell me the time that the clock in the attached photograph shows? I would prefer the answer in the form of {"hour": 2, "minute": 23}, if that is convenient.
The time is {"hour": 12, "minute": 49}
